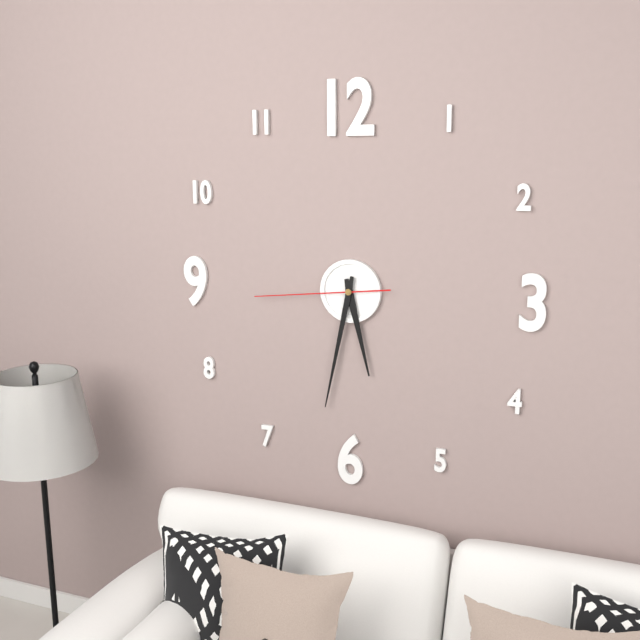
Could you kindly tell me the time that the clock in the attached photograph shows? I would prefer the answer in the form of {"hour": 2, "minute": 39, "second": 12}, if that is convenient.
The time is {"hour": 5, "minute": 32, "second": 44}
